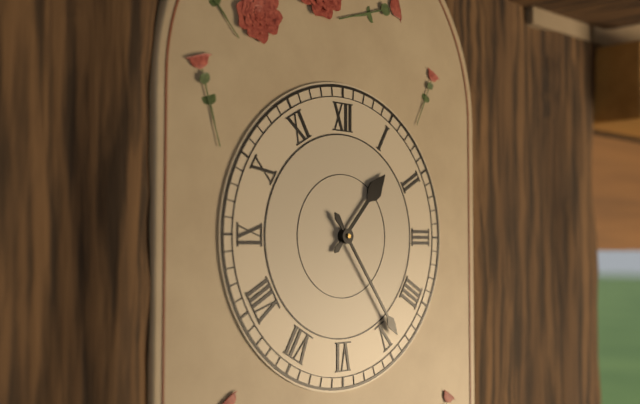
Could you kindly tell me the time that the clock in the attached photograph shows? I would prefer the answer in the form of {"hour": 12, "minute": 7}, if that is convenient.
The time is {"hour": 1, "minute": 24}
